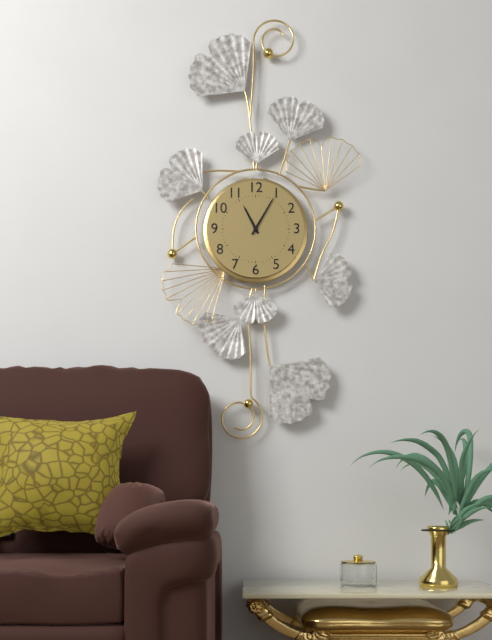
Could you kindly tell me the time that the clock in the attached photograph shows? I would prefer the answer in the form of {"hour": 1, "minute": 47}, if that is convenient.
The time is {"hour": 11, "minute": 5}
